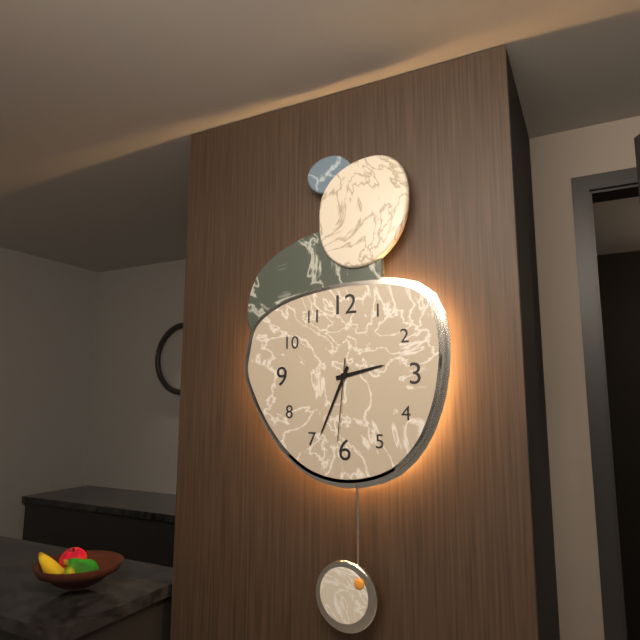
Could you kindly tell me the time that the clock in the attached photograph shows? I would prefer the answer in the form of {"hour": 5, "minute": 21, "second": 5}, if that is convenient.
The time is {"hour": 2, "minute": 34, "second": 31}
